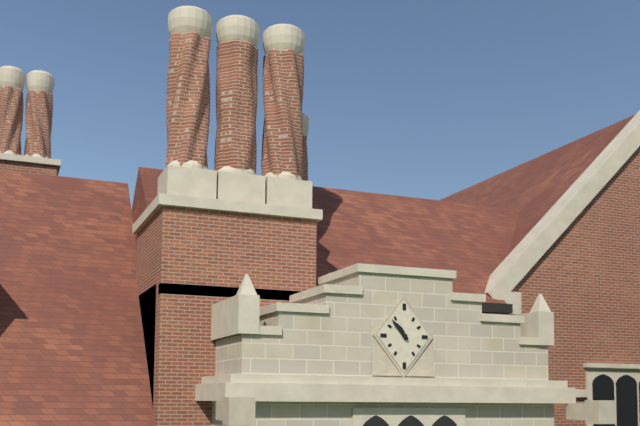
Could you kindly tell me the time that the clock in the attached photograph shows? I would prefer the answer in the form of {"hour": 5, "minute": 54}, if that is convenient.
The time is {"hour": 10, "minute": 53}
